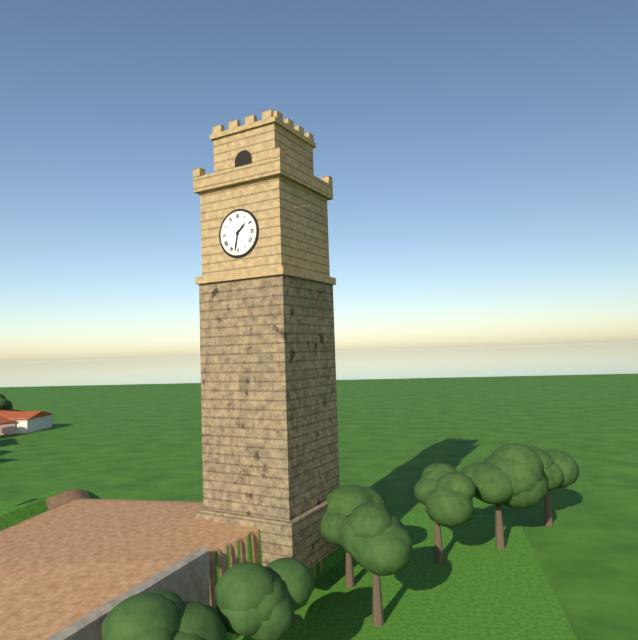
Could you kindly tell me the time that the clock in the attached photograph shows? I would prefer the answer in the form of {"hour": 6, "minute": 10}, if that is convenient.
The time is {"hour": 1, "minute": 32}
